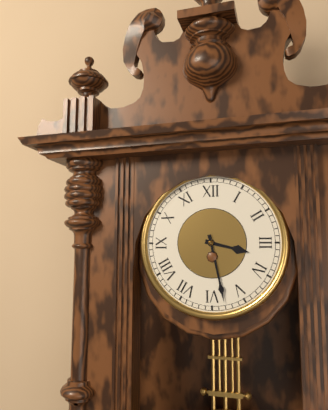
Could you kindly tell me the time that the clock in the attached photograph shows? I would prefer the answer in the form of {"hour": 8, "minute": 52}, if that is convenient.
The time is {"hour": 3, "minute": 28}
